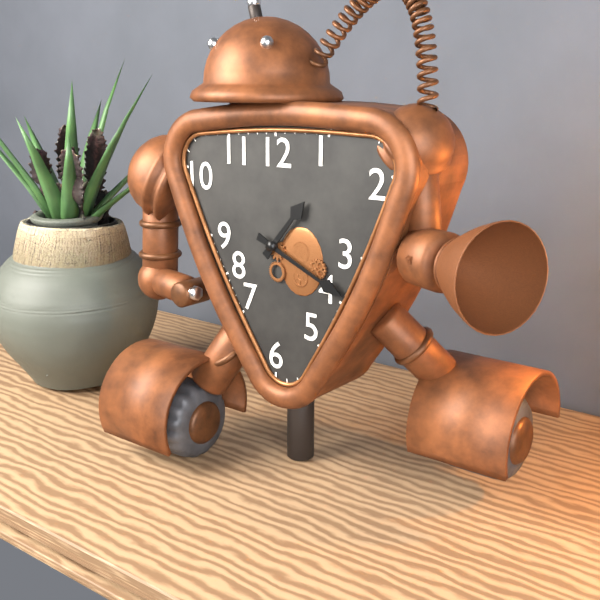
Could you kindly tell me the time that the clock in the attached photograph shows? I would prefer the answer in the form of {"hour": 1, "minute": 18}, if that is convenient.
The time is {"hour": 1, "minute": 19}
